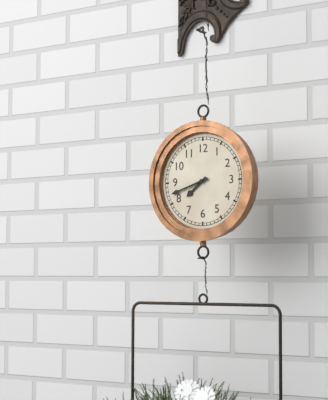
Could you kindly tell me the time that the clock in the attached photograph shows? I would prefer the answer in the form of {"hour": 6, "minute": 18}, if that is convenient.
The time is {"hour": 7, "minute": 42}
